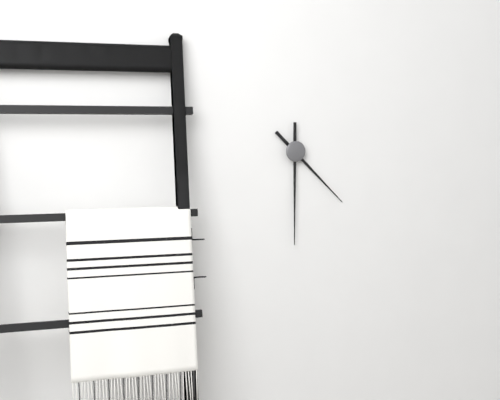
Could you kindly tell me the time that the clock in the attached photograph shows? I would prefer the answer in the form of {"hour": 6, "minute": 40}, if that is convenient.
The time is {"hour": 4, "minute": 30}
